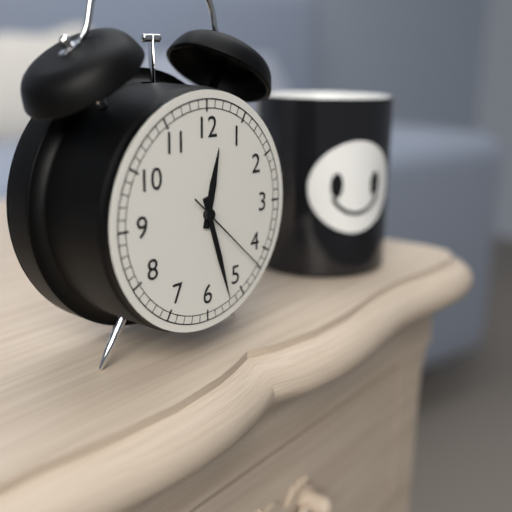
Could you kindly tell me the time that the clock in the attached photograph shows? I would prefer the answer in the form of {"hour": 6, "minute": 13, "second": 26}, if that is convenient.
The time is {"hour": 12, "minute": 27, "second": 22}
